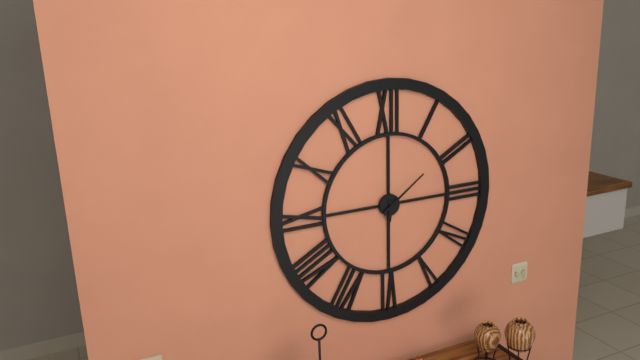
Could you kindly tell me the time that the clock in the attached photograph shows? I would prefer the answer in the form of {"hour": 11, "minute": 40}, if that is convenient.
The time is {"hour": 6, "minute": 9}
